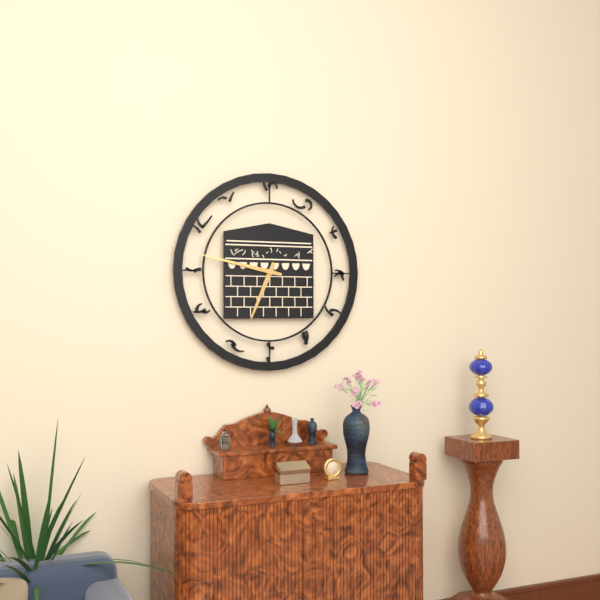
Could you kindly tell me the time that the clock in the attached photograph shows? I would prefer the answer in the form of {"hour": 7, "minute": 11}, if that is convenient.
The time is {"hour": 6, "minute": 47}
